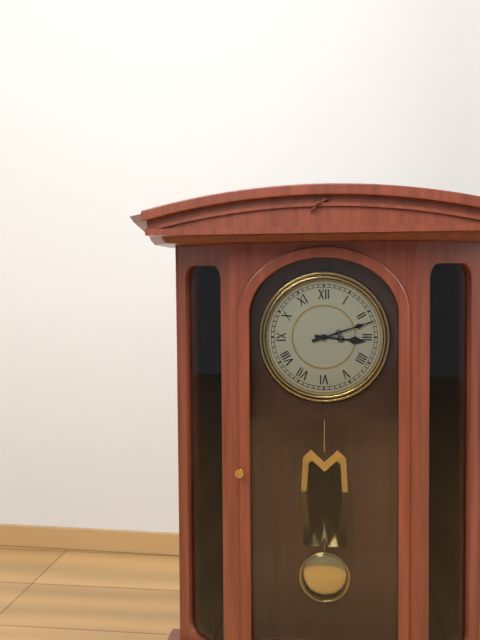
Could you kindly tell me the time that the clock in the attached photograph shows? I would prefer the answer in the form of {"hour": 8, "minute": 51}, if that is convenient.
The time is {"hour": 3, "minute": 12}
